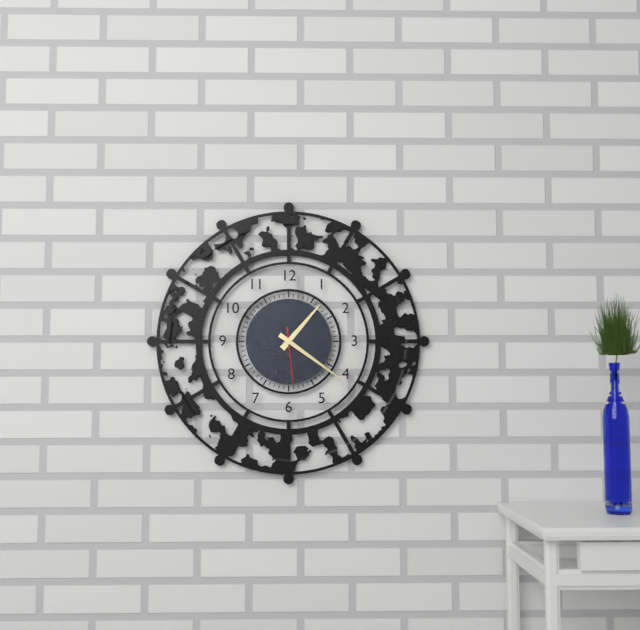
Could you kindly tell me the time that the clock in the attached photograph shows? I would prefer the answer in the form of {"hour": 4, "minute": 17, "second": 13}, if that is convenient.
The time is {"hour": 1, "minute": 21, "second": 29}
